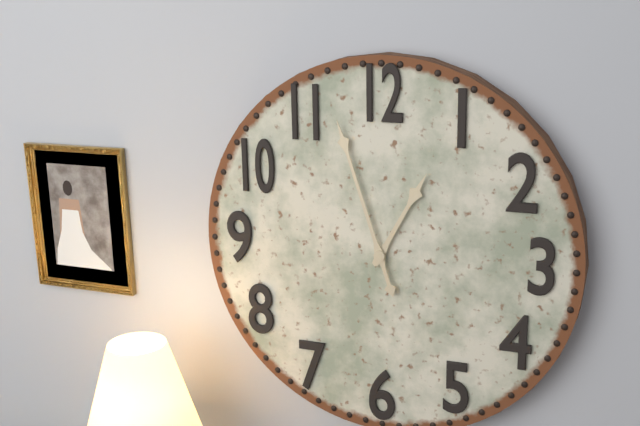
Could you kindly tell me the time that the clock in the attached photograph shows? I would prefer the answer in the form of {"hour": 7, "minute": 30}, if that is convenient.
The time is {"hour": 12, "minute": 57}
